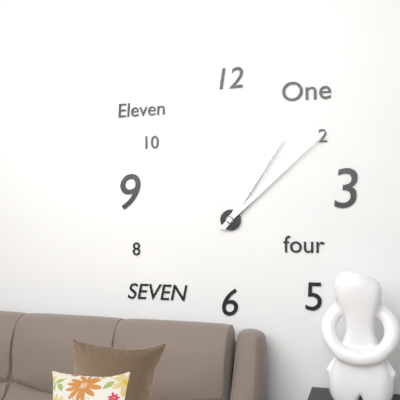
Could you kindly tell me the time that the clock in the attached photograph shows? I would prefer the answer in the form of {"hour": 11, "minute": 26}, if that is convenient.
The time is {"hour": 1, "minute": 8}
